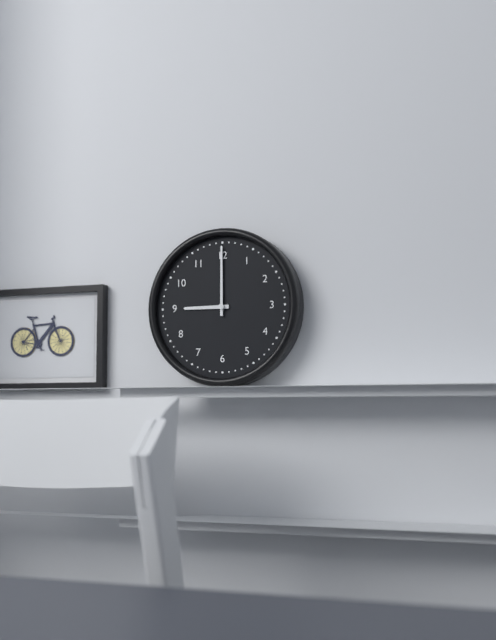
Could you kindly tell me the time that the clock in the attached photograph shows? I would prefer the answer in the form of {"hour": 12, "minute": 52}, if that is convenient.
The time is {"hour": 9, "minute": 0}
